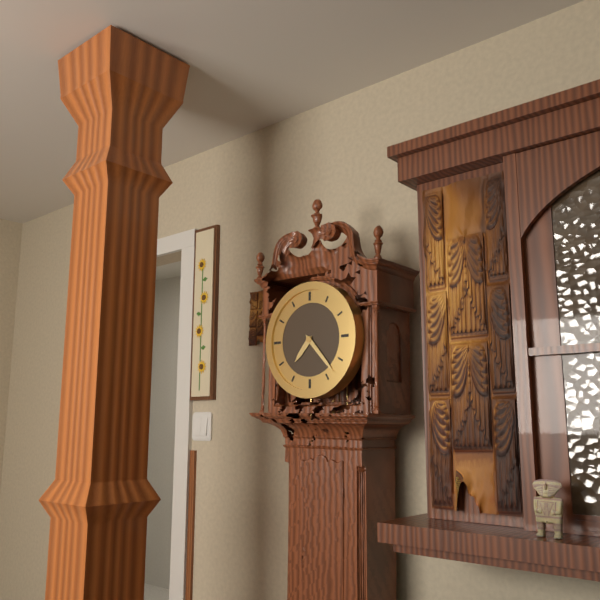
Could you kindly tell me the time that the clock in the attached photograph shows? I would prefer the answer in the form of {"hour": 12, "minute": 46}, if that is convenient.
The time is {"hour": 7, "minute": 23}
